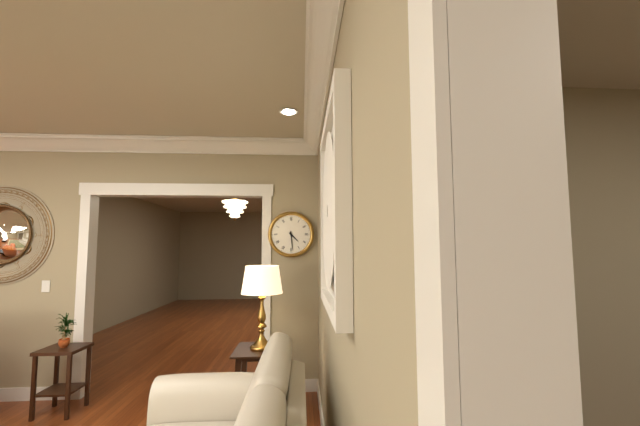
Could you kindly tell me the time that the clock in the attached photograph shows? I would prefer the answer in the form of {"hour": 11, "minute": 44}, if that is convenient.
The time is {"hour": 4, "minute": 29}
